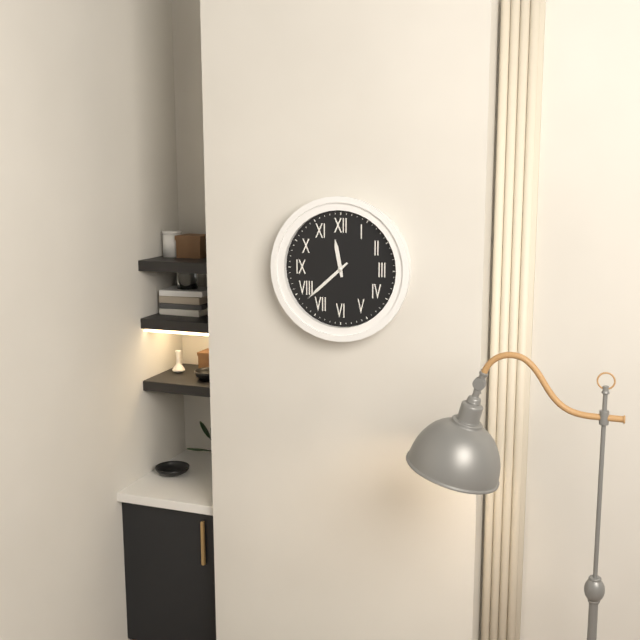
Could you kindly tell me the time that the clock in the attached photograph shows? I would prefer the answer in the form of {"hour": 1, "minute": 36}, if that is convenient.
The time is {"hour": 11, "minute": 38}
